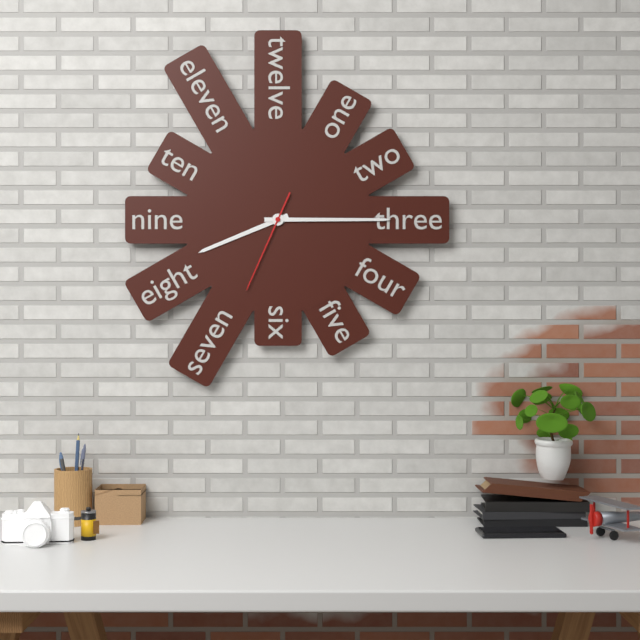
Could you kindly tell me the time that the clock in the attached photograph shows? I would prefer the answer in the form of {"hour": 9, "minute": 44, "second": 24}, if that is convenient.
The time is {"hour": 8, "minute": 15, "second": 34}
